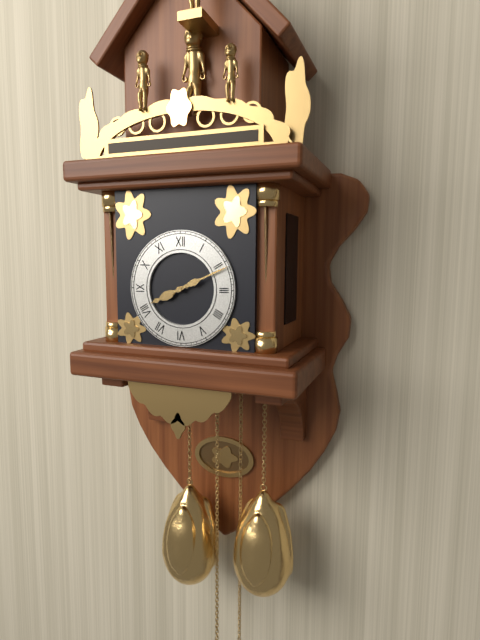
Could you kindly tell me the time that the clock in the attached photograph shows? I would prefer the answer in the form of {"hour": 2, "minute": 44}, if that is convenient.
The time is {"hour": 8, "minute": 11}
